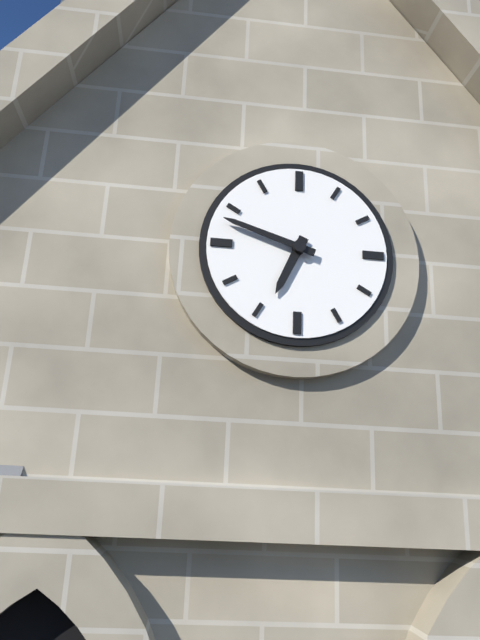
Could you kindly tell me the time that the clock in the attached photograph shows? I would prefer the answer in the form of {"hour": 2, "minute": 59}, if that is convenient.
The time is {"hour": 6, "minute": 48}
